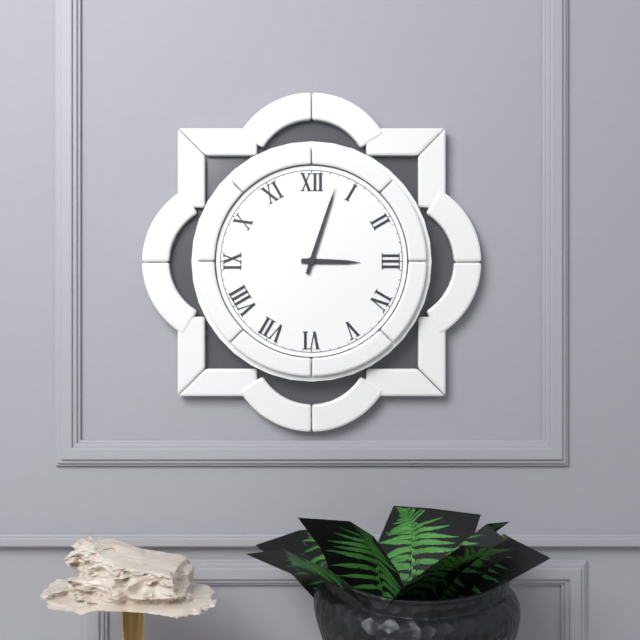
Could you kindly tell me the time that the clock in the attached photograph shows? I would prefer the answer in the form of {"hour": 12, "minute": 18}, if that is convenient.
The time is {"hour": 3, "minute": 3}
